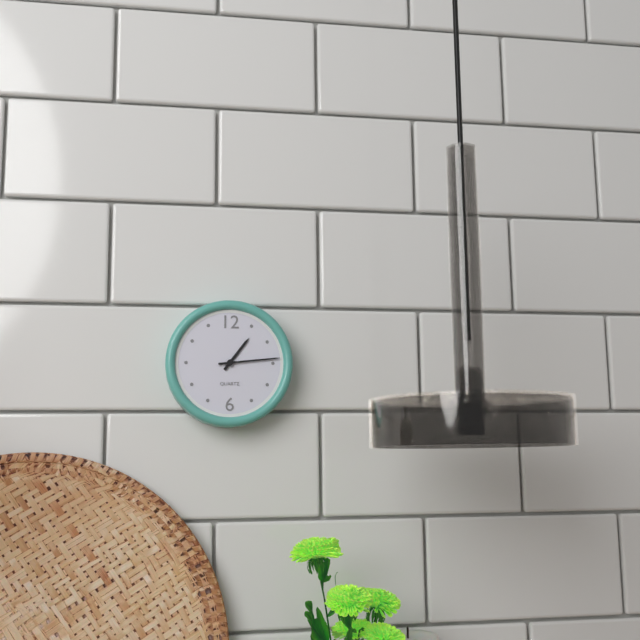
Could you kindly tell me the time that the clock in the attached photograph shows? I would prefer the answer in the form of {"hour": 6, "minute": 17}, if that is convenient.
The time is {"hour": 1, "minute": 14}
